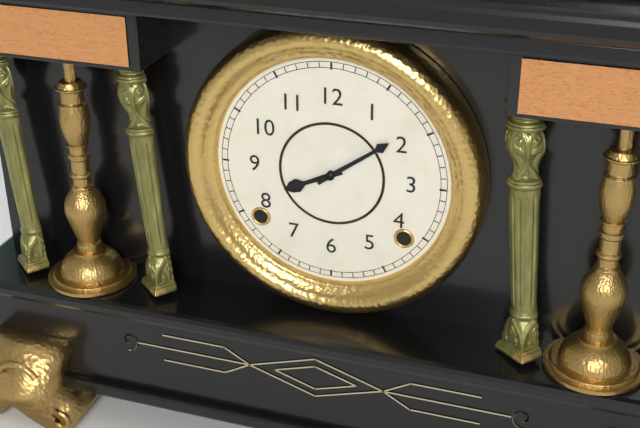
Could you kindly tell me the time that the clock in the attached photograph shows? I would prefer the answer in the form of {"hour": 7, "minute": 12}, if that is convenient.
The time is {"hour": 8, "minute": 9}
